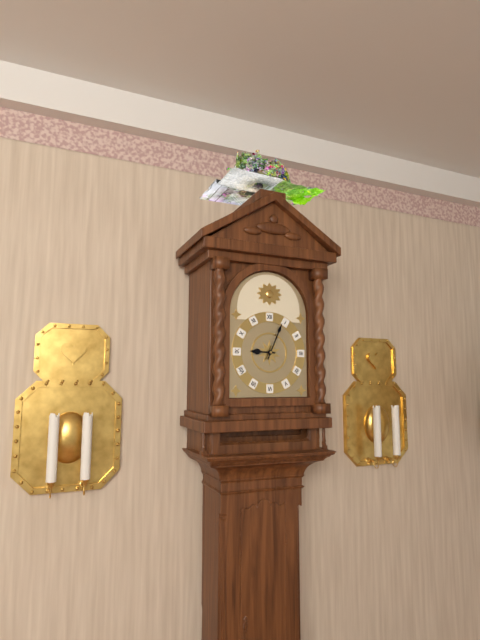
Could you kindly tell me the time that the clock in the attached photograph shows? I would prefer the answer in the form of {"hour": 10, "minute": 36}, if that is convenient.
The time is {"hour": 9, "minute": 4}
